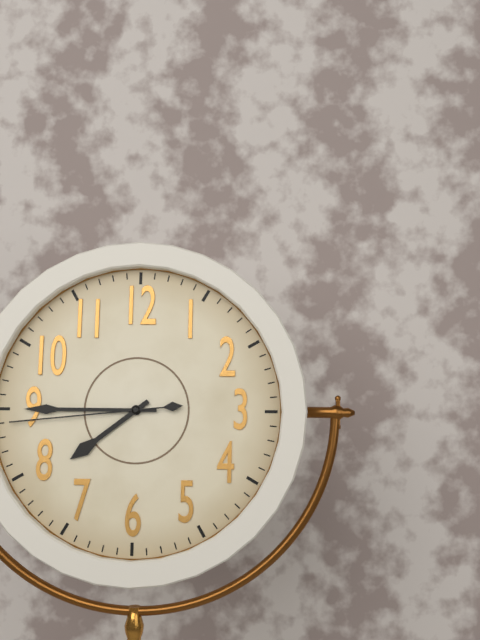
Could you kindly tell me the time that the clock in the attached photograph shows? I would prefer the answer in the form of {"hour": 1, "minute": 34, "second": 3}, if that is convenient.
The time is {"hour": 7, "minute": 45, "second": 44}
